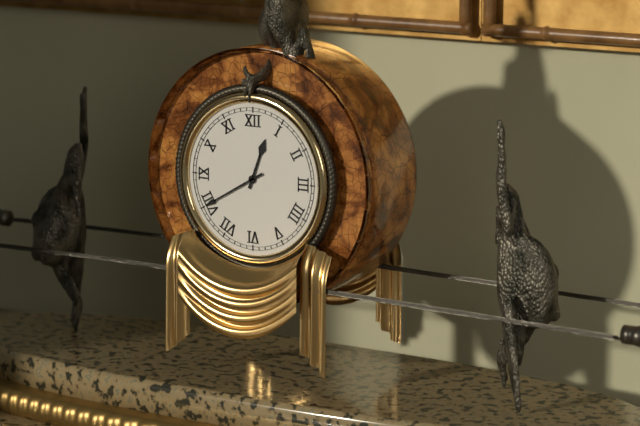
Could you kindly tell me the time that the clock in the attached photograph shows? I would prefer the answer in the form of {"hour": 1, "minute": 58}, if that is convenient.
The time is {"hour": 12, "minute": 40}
